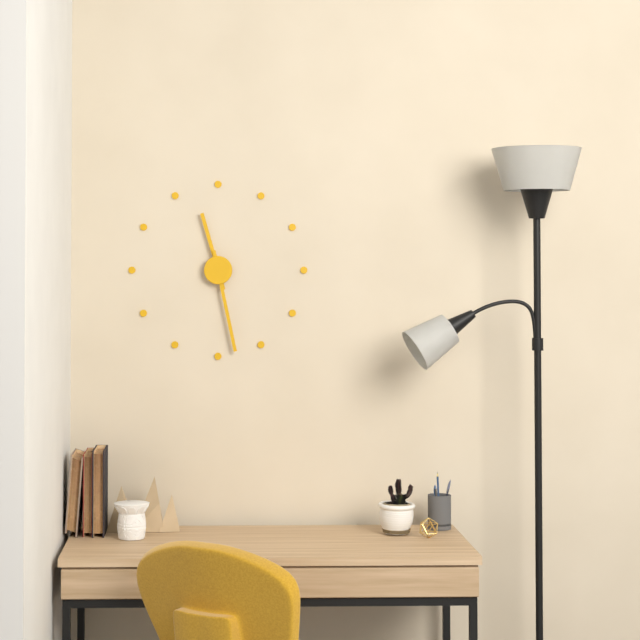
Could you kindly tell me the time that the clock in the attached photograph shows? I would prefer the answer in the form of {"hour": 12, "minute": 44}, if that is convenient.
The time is {"hour": 11, "minute": 28}
